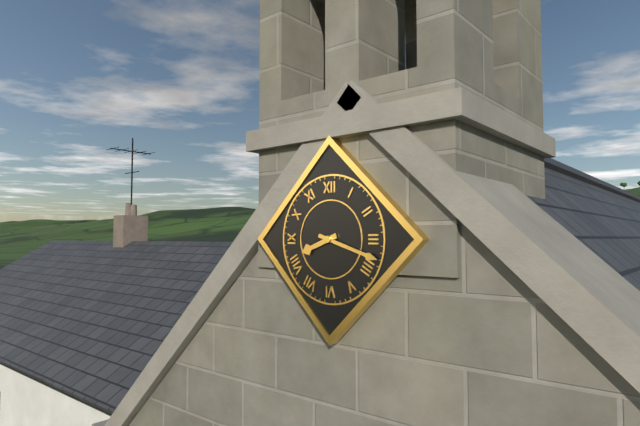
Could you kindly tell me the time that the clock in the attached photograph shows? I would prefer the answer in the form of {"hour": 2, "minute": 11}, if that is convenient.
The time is {"hour": 8, "minute": 18}
